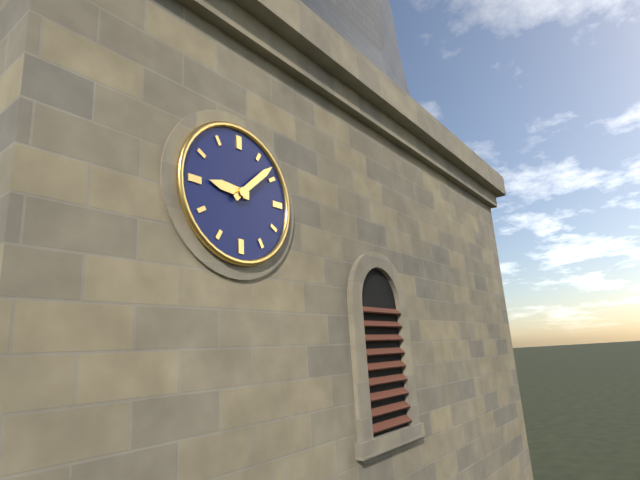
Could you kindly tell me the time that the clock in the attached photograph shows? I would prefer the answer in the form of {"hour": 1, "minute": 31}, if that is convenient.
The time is {"hour": 9, "minute": 8}
